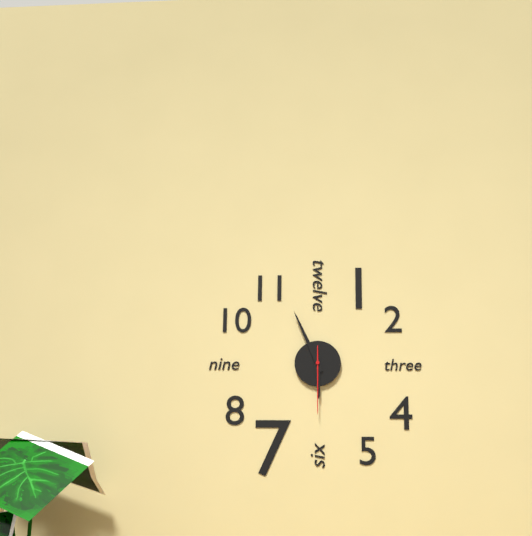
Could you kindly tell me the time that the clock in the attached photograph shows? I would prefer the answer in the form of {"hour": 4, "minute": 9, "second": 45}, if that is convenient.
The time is {"hour": 5, "minute": 56, "second": 30}
